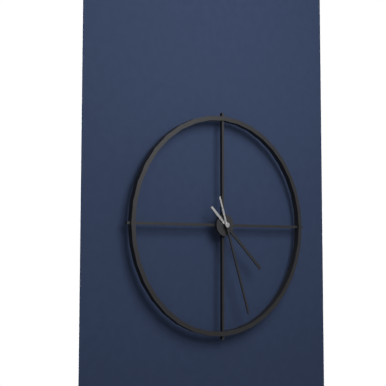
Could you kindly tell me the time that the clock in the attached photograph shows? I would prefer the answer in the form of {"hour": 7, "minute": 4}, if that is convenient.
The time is {"hour": 4, "minute": 27}
